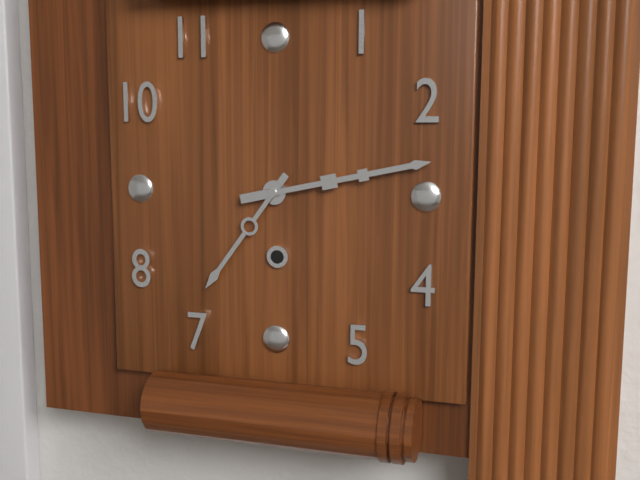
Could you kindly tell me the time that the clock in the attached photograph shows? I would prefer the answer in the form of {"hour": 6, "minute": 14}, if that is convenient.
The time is {"hour": 7, "minute": 13}
